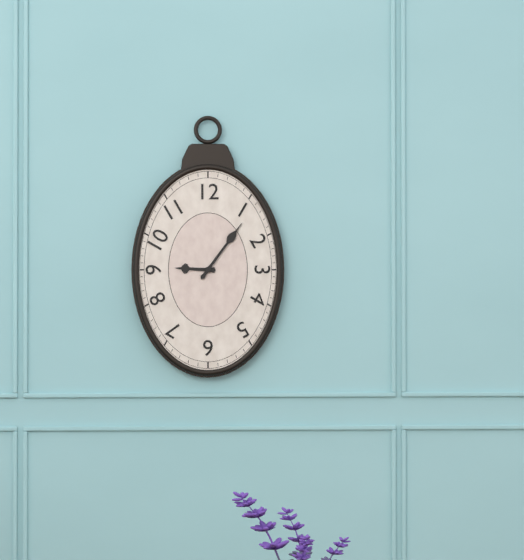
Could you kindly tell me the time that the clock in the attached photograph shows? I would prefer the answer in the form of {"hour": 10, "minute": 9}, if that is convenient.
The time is {"hour": 9, "minute": 6}
